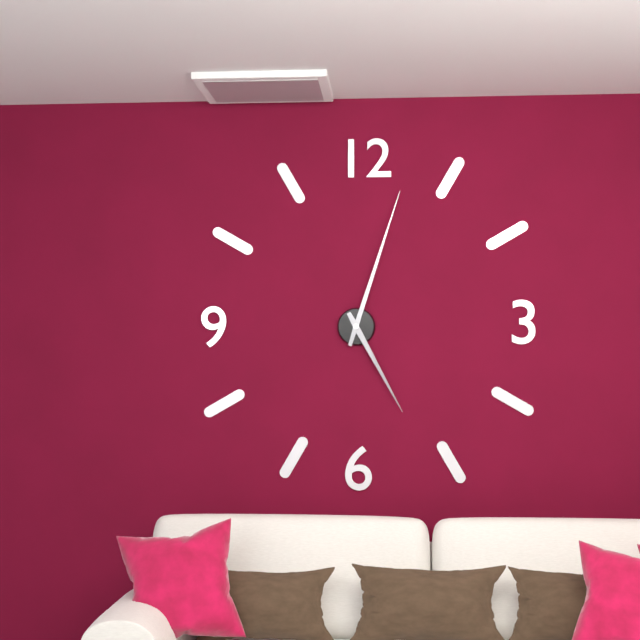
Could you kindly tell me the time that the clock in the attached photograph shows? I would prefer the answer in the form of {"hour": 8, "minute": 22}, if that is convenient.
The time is {"hour": 5, "minute": 3}
